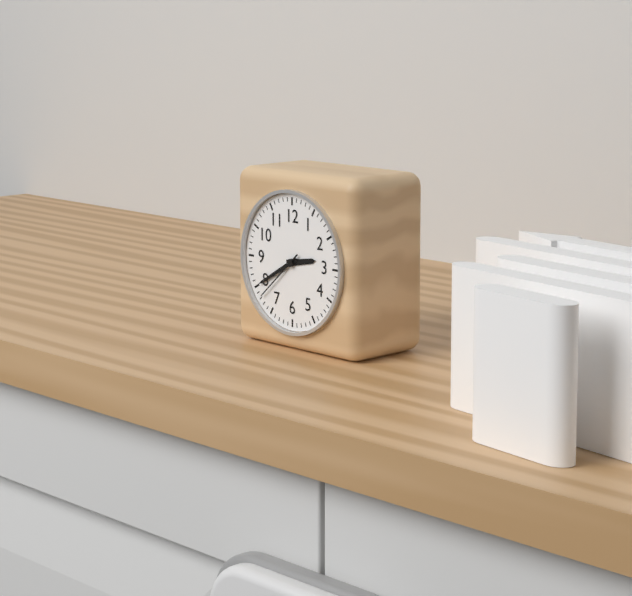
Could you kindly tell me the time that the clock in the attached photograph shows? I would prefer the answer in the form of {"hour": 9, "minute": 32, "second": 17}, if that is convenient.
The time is {"hour": 2, "minute": 40, "second": 38}
